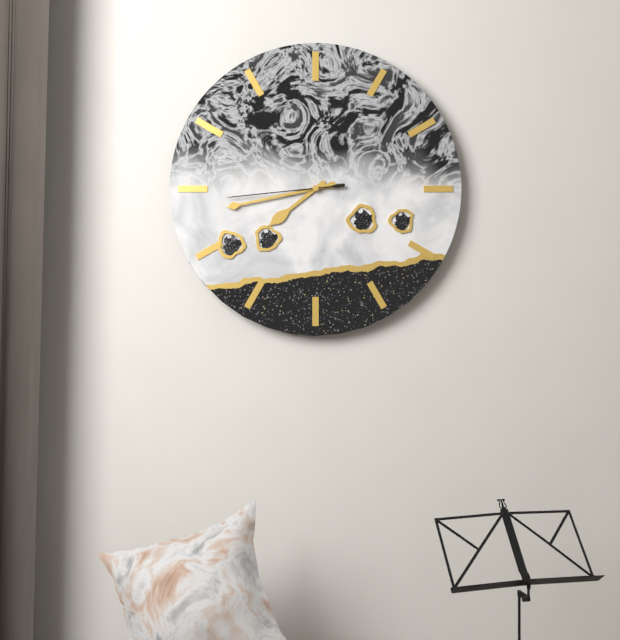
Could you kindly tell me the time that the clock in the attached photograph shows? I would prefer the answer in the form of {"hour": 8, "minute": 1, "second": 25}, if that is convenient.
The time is {"hour": 7, "minute": 43, "second": 44}
